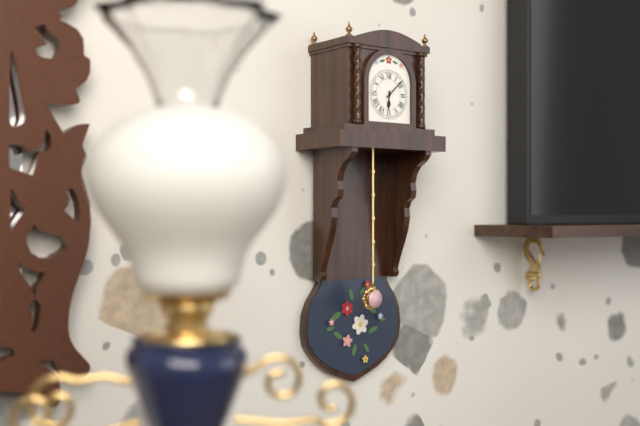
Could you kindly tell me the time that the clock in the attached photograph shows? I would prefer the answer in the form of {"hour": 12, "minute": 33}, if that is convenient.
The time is {"hour": 6, "minute": 8}
